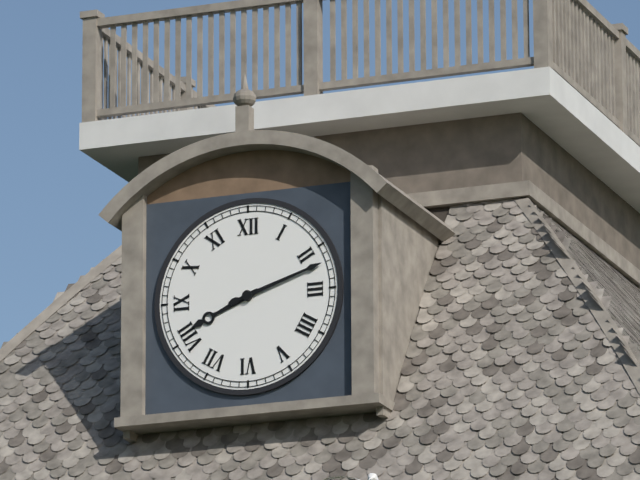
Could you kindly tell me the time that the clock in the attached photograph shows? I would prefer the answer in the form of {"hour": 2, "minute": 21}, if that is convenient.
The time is {"hour": 8, "minute": 12}
